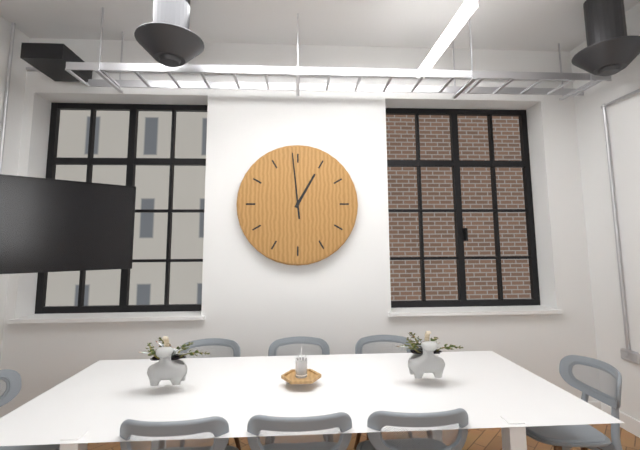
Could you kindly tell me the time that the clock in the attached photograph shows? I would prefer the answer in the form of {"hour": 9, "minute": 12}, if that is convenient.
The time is {"hour": 12, "minute": 59}
